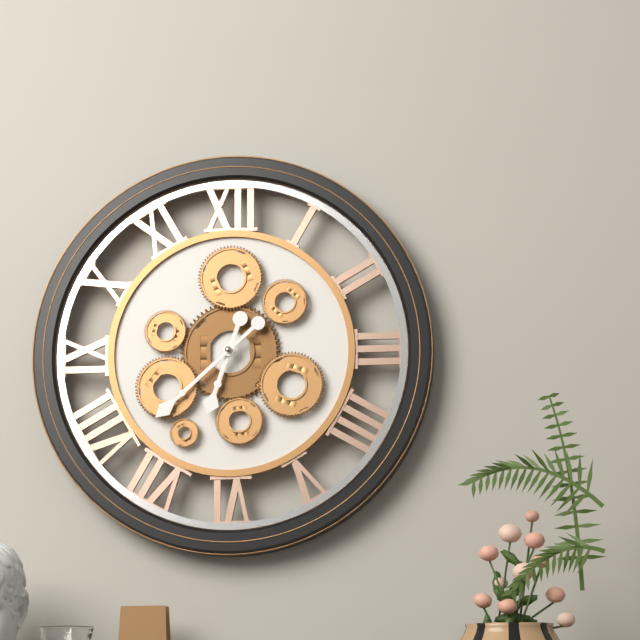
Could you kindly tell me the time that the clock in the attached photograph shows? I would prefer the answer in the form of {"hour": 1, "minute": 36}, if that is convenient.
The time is {"hour": 6, "minute": 38}
